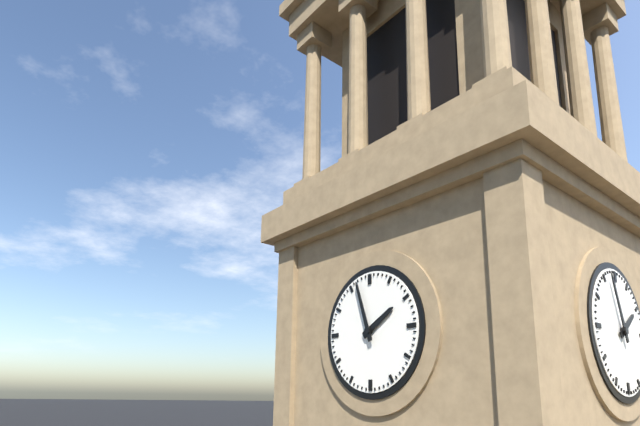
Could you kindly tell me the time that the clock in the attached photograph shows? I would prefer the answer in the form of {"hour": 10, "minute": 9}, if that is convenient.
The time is {"hour": 1, "minute": 57}
